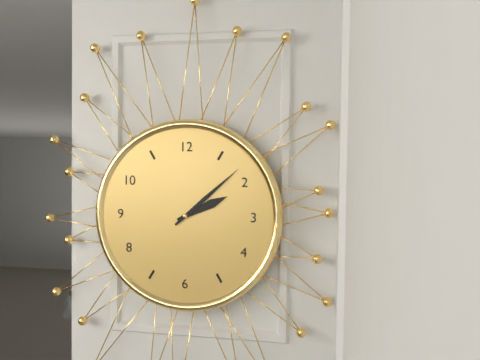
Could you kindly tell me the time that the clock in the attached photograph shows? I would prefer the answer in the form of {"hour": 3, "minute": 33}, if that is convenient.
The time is {"hour": 2, "minute": 8}
